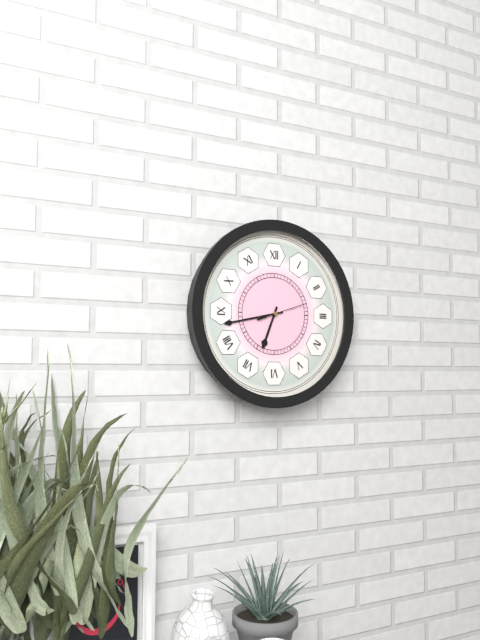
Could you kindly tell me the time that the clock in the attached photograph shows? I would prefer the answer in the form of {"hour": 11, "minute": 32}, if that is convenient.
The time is {"hour": 6, "minute": 43}
